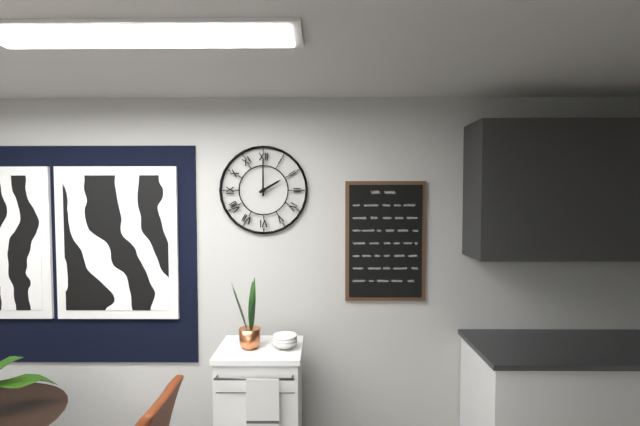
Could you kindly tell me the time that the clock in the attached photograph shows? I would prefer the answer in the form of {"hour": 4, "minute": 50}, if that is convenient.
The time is {"hour": 2, "minute": 0}
